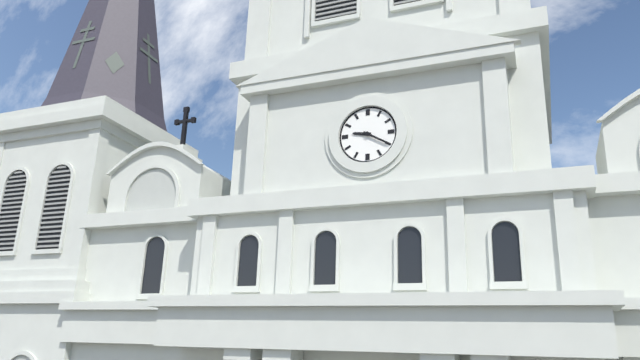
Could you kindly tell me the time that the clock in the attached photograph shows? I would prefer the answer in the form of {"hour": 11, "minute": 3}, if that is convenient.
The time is {"hour": 9, "minute": 20}
